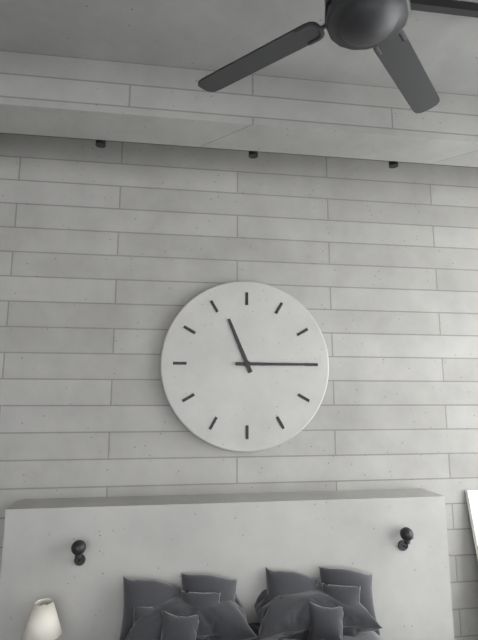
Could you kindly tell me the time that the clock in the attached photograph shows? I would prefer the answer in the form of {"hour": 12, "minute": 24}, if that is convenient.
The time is {"hour": 11, "minute": 15}
